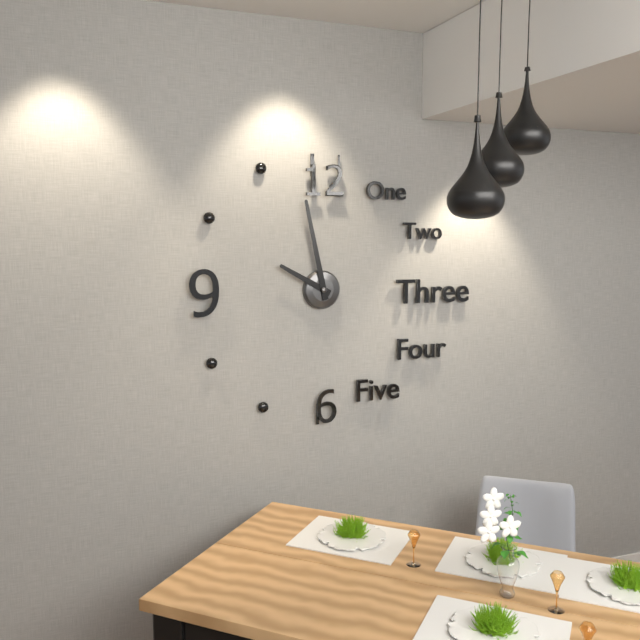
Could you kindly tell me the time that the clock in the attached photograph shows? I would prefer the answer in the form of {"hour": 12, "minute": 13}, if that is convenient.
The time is {"hour": 9, "minute": 58}
